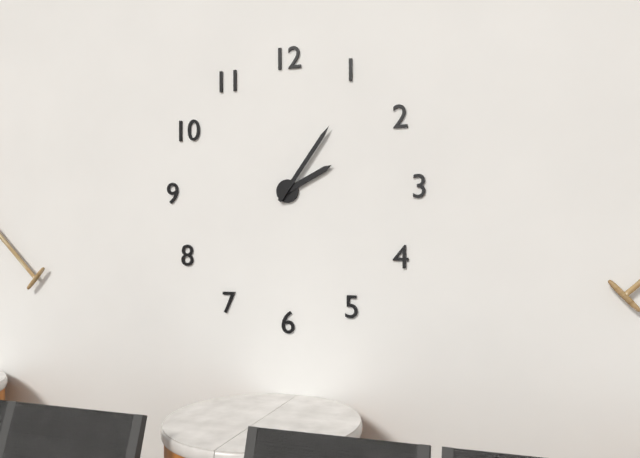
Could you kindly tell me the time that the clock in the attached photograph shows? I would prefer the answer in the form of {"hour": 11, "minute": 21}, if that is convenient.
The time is {"hour": 2, "minute": 6}
